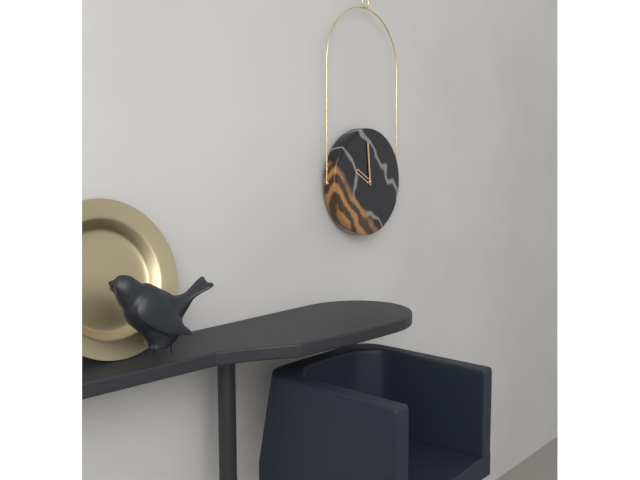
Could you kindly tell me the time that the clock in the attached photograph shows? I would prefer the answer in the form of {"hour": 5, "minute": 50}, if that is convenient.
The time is {"hour": 9, "minute": 59}
